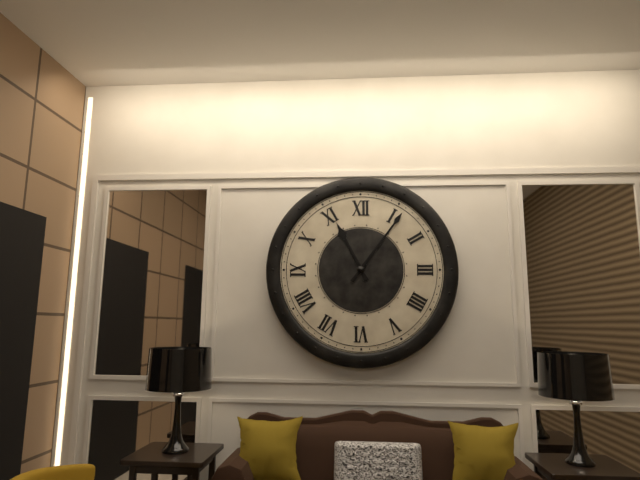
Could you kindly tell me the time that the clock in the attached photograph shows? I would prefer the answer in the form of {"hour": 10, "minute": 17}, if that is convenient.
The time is {"hour": 11, "minute": 6}
